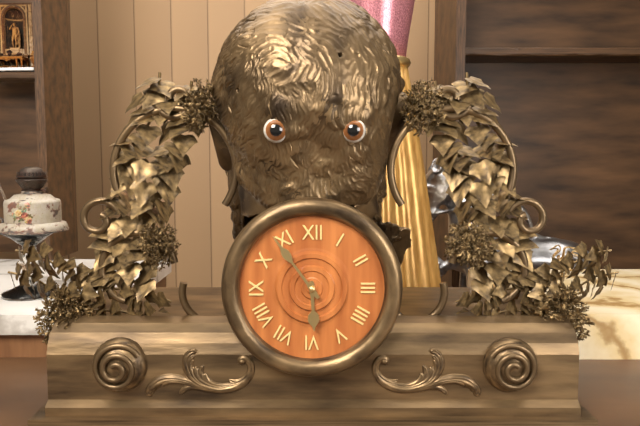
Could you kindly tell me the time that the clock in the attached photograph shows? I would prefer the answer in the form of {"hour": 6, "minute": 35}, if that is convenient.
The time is {"hour": 5, "minute": 54}
